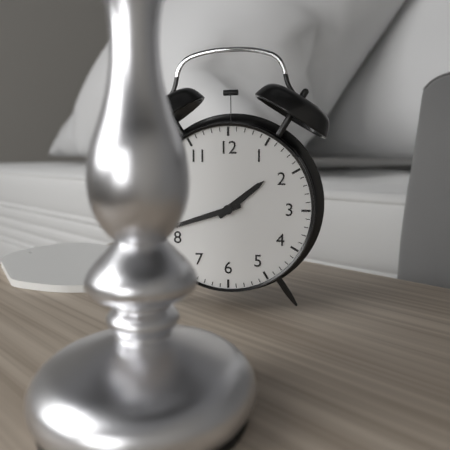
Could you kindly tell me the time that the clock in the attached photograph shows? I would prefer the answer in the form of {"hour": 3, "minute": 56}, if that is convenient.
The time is {"hour": 1, "minute": 42}
